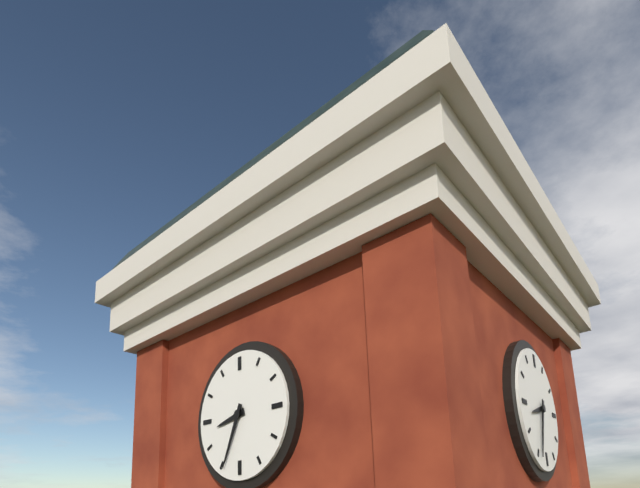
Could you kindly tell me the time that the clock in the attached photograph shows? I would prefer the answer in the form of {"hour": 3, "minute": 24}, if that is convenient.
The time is {"hour": 8, "minute": 34}
